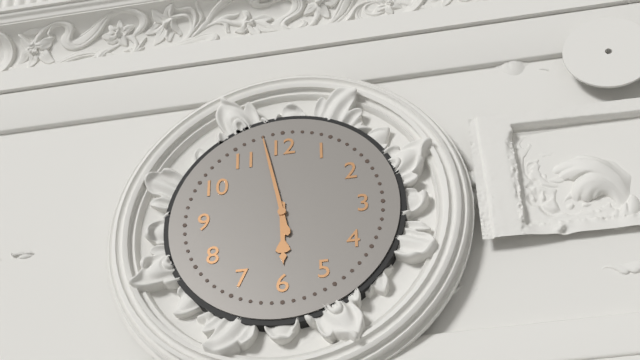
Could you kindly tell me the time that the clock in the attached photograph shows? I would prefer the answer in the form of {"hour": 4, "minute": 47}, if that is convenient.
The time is {"hour": 5, "minute": 58}
